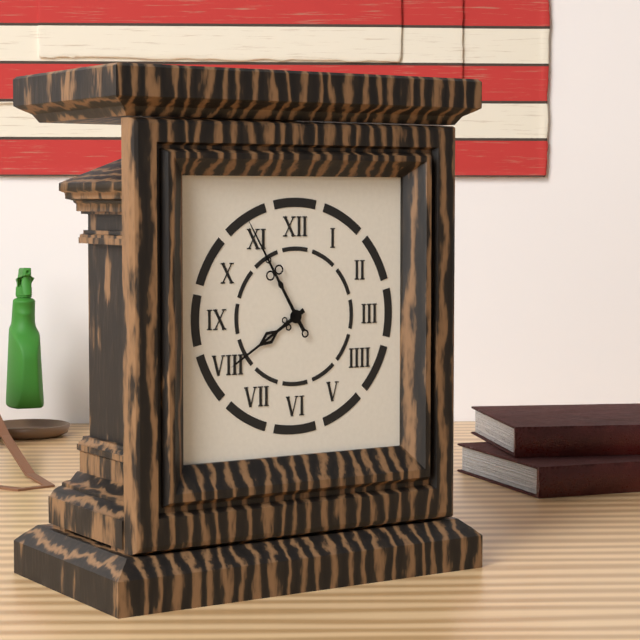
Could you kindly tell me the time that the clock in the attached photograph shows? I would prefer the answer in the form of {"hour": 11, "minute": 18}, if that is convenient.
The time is {"hour": 7, "minute": 55}
